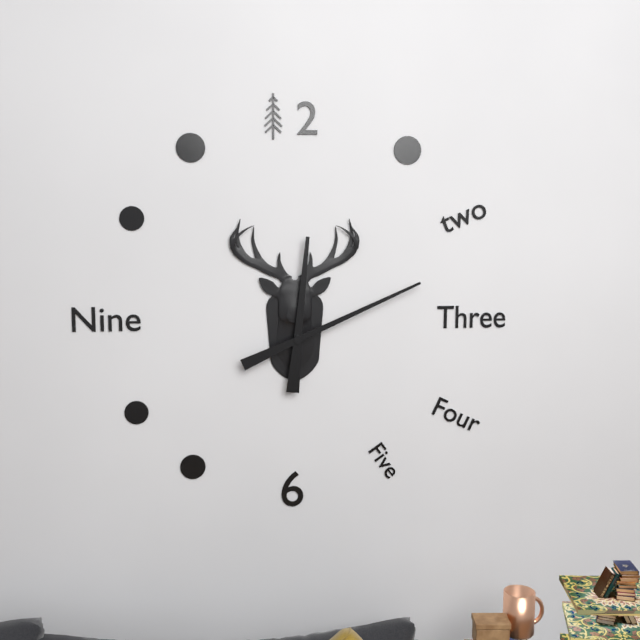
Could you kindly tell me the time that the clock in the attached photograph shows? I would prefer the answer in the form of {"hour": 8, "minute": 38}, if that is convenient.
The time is {"hour": 12, "minute": 11}
